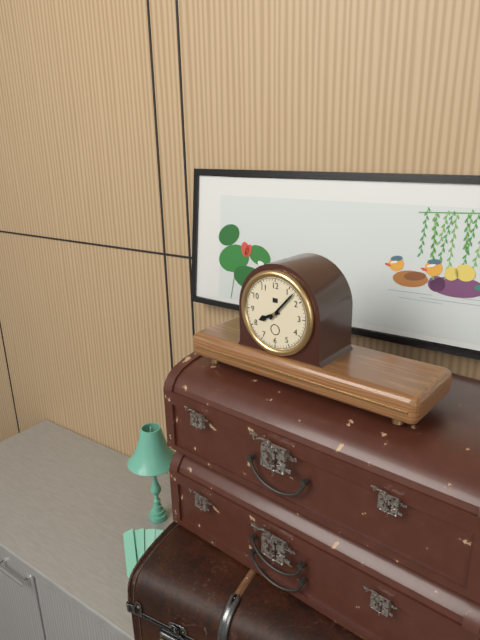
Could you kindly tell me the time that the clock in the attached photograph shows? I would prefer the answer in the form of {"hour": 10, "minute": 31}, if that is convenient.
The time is {"hour": 8, "minute": 7}
